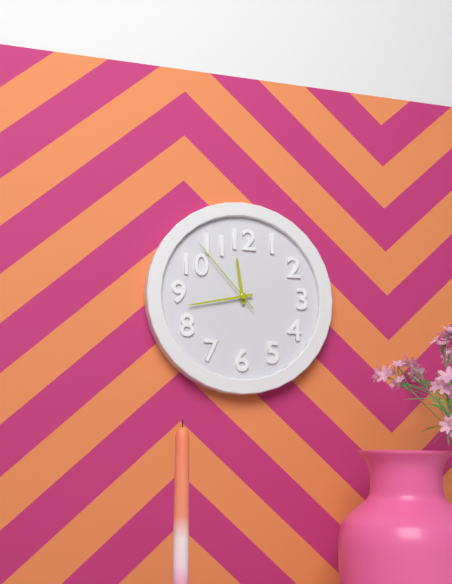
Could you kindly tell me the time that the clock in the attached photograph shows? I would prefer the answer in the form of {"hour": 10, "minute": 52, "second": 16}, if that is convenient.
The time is {"hour": 11, "minute": 43, "second": 53}
